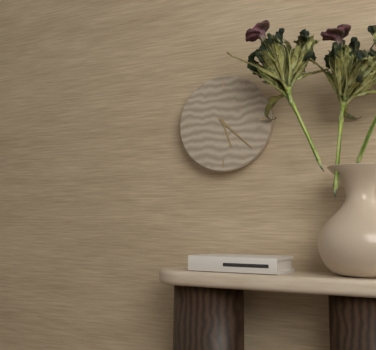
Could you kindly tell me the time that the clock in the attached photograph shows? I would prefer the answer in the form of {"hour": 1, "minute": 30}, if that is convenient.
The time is {"hour": 5, "minute": 22}
